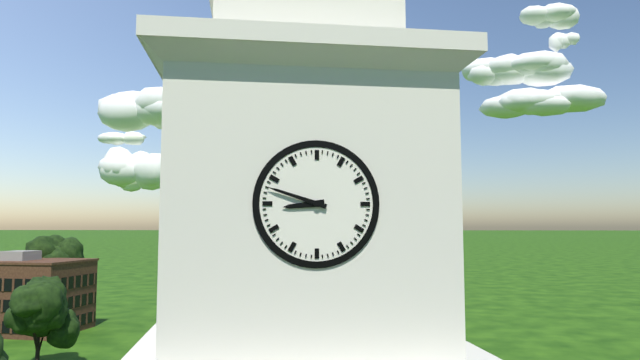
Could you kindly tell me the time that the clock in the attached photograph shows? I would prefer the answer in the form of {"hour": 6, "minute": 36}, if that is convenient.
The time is {"hour": 8, "minute": 48}
